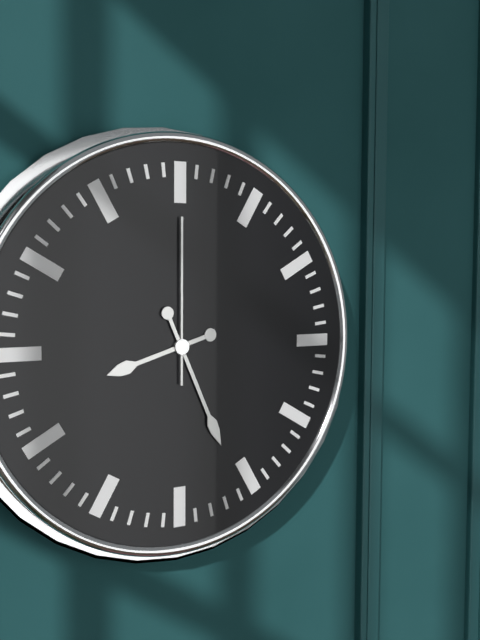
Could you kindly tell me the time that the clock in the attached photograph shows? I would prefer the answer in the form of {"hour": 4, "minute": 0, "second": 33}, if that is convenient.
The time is {"hour": 8, "minute": 26, "second": 0}
